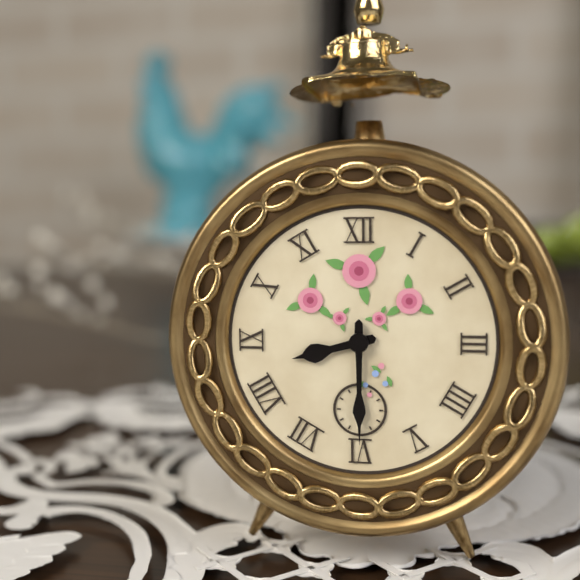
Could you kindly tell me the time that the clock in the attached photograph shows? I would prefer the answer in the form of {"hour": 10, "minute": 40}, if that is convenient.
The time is {"hour": 8, "minute": 30}
